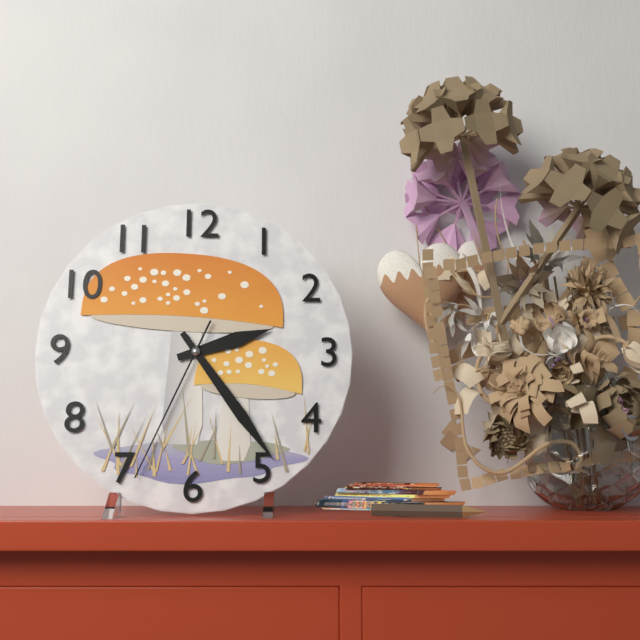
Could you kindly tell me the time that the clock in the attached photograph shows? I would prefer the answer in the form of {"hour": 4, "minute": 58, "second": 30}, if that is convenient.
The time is {"hour": 2, "minute": 24, "second": 34}
